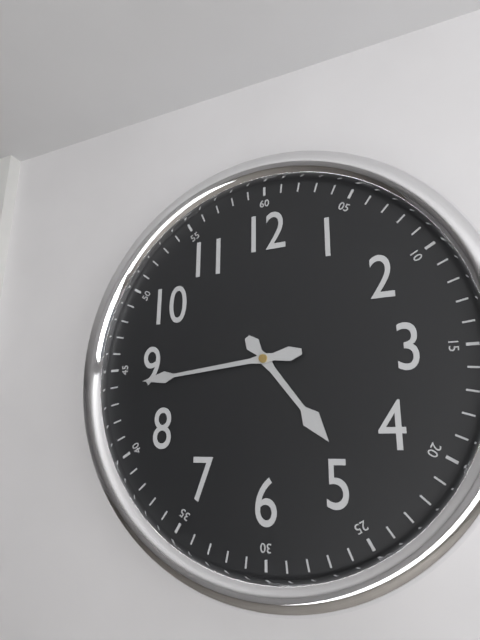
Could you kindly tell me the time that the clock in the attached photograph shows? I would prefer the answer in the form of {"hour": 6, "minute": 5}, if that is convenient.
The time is {"hour": 4, "minute": 44}
